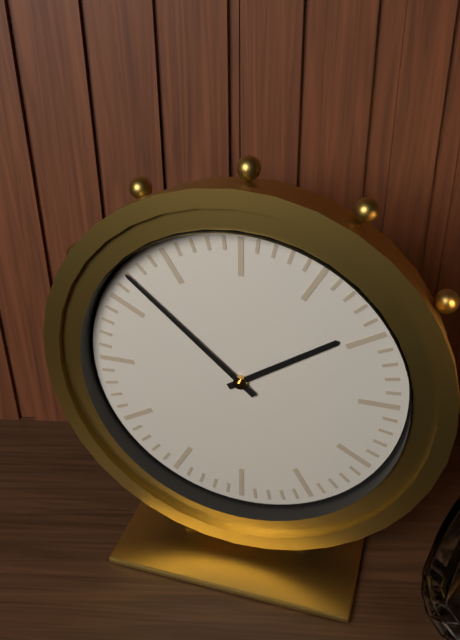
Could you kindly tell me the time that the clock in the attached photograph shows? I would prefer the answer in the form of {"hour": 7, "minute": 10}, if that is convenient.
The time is {"hour": 1, "minute": 52}
